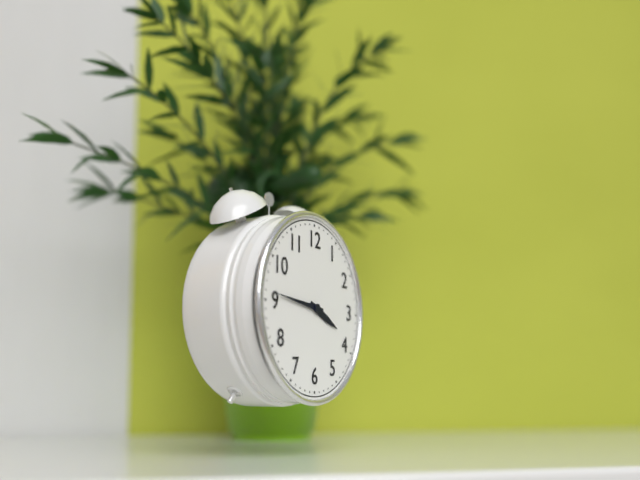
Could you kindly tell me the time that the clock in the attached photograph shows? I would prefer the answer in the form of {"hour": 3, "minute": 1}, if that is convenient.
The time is {"hour": 3, "minute": 46}
